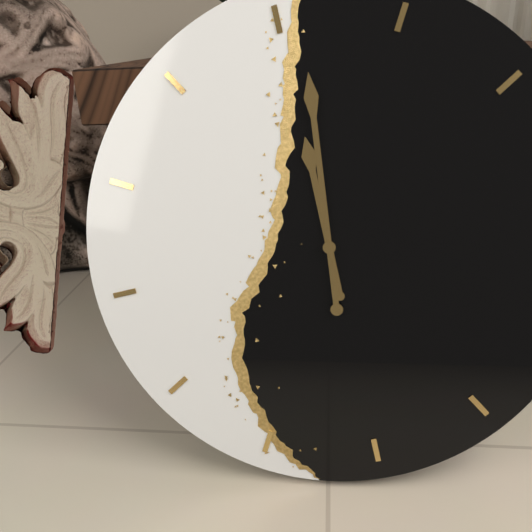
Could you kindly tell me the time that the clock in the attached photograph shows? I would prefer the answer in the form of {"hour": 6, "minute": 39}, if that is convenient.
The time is {"hour": 12, "minute": 1}
